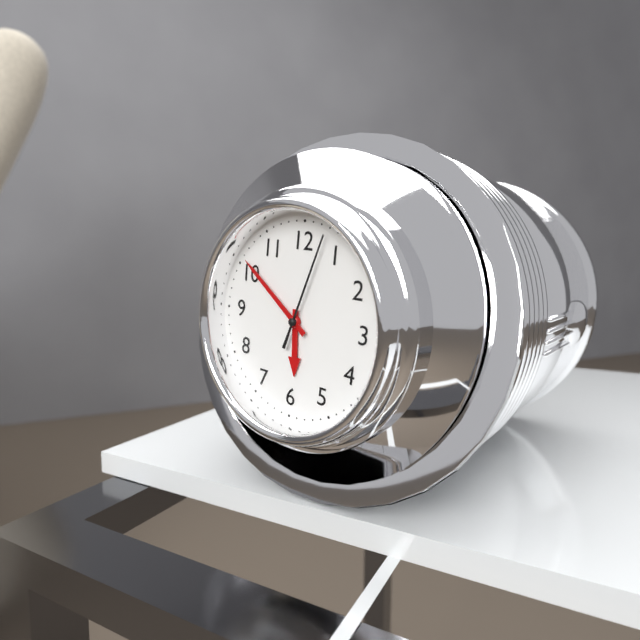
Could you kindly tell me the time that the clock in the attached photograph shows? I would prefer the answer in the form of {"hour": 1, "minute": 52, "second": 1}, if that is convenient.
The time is {"hour": 5, "minute": 51, "second": 3}
